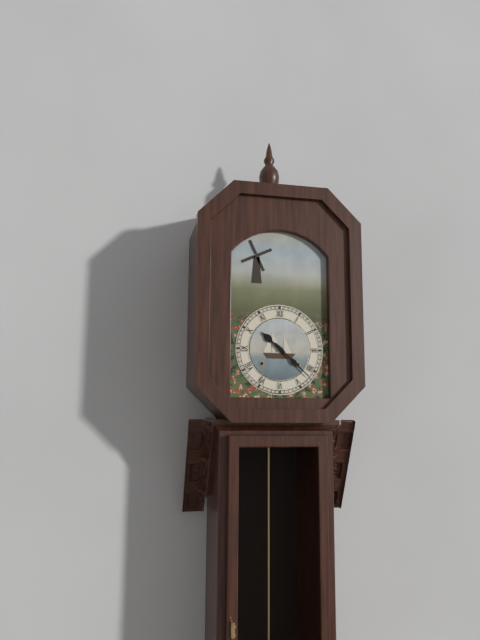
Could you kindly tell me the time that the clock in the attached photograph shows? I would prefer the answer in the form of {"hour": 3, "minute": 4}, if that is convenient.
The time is {"hour": 10, "minute": 22}
